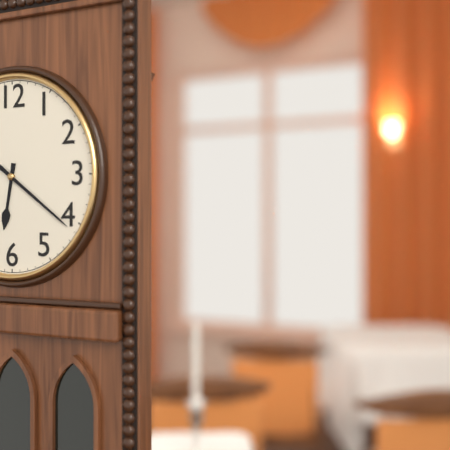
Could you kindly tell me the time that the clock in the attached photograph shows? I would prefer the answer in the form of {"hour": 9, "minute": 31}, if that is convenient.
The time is {"hour": 6, "minute": 21}
